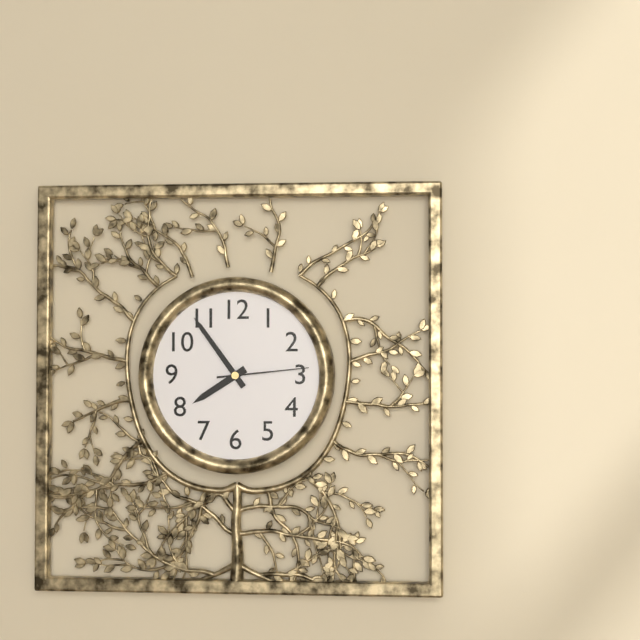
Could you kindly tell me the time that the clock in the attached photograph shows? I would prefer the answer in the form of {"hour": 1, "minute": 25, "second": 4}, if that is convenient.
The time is {"hour": 7, "minute": 54, "second": 14}
